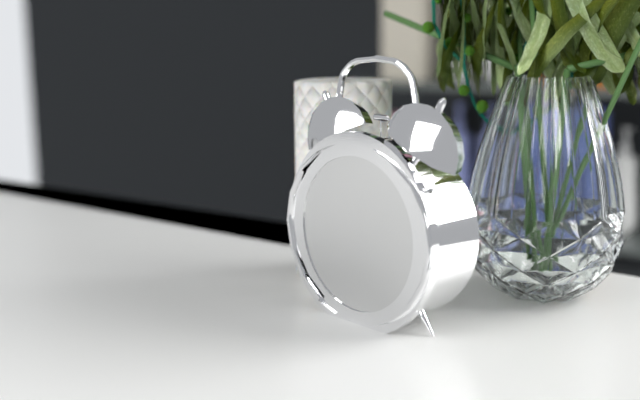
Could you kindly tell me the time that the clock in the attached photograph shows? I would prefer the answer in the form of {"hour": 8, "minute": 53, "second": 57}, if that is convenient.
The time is {"hour": 10, "minute": 6, "second": 43}
